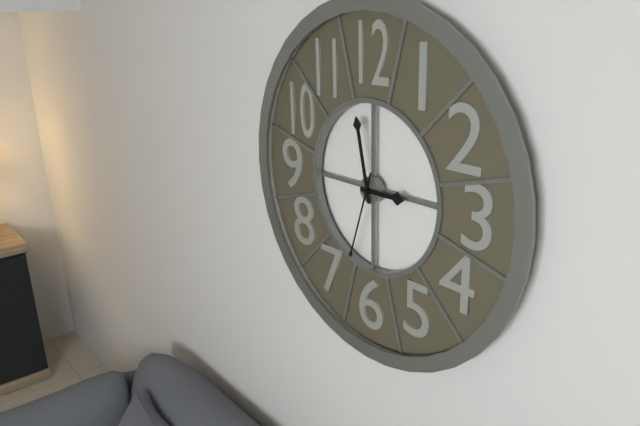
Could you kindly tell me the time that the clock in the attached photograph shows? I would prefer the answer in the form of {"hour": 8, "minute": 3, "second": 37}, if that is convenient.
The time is {"hour": 2, "minute": 58, "second": 33}
